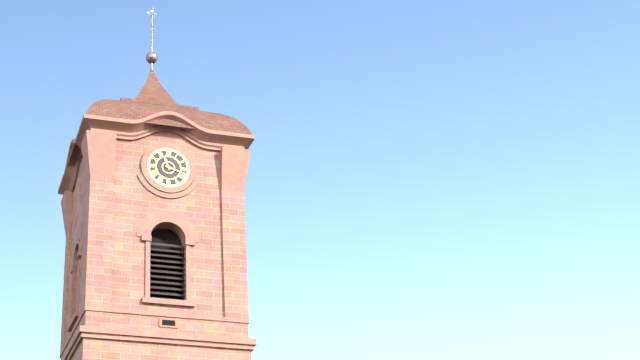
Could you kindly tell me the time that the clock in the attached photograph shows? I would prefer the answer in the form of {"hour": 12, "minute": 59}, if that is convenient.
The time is {"hour": 11, "minute": 18}
